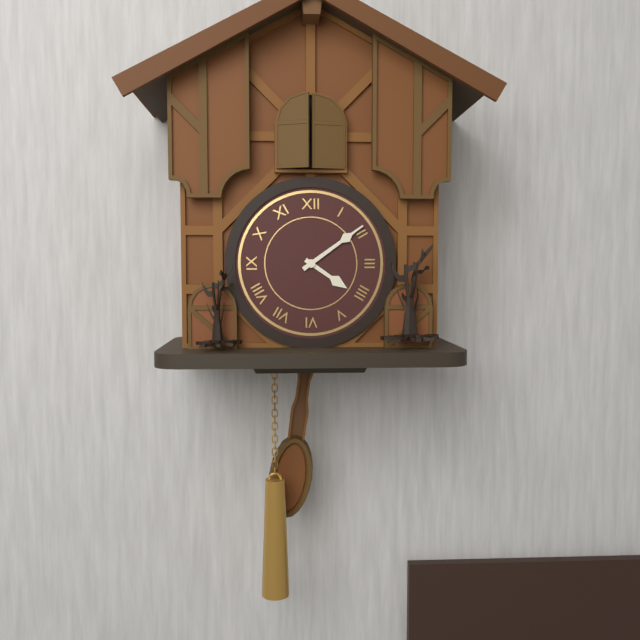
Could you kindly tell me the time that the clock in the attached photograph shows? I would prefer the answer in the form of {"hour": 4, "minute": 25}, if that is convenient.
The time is {"hour": 4, "minute": 9}
